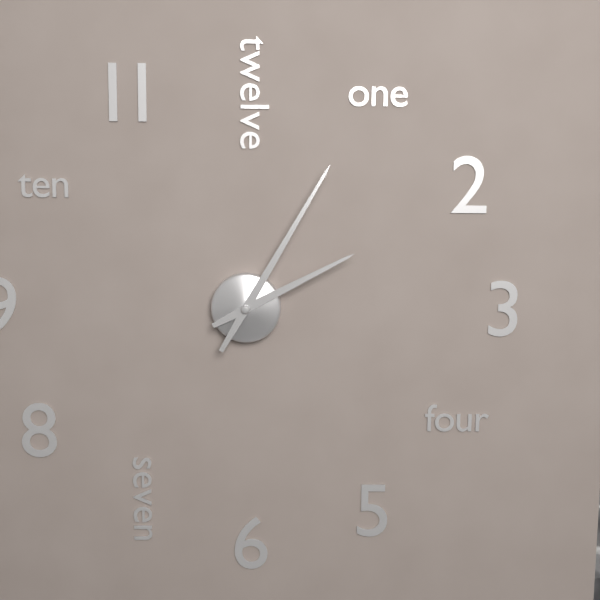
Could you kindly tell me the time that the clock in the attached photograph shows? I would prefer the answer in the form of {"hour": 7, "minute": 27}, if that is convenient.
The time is {"hour": 2, "minute": 5}
